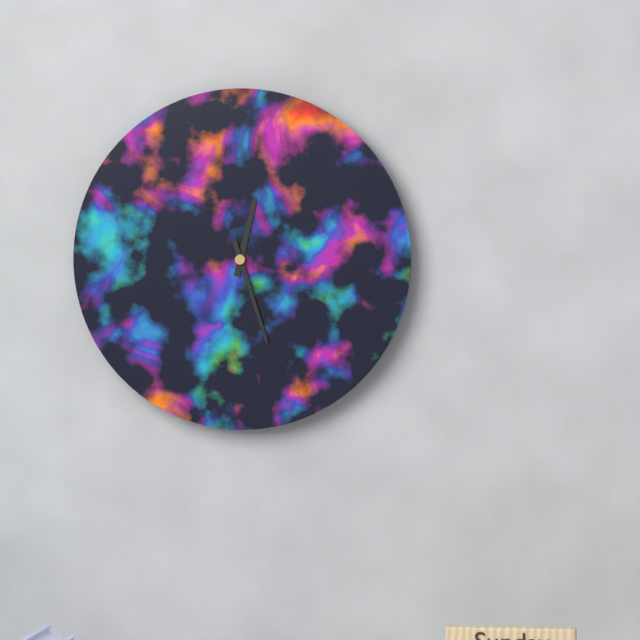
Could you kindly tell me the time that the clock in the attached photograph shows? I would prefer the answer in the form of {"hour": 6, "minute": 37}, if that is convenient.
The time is {"hour": 12, "minute": 27}
